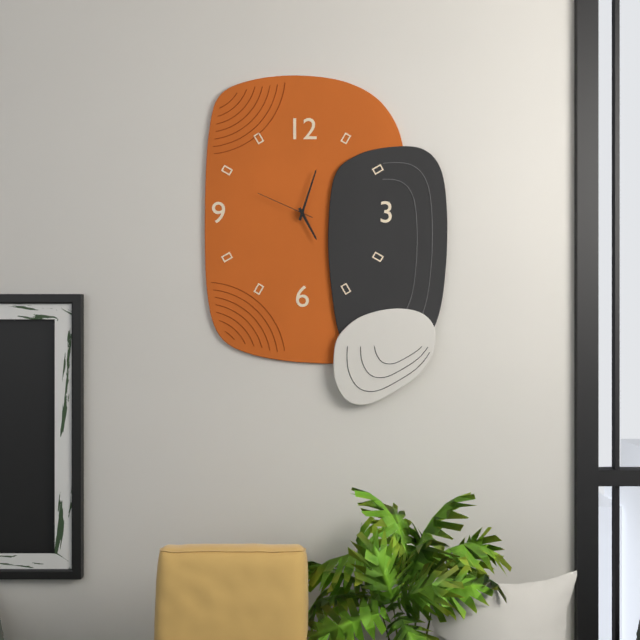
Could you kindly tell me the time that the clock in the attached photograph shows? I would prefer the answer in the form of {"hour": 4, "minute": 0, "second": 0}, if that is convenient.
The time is {"hour": 5, "minute": 3, "second": 49}
